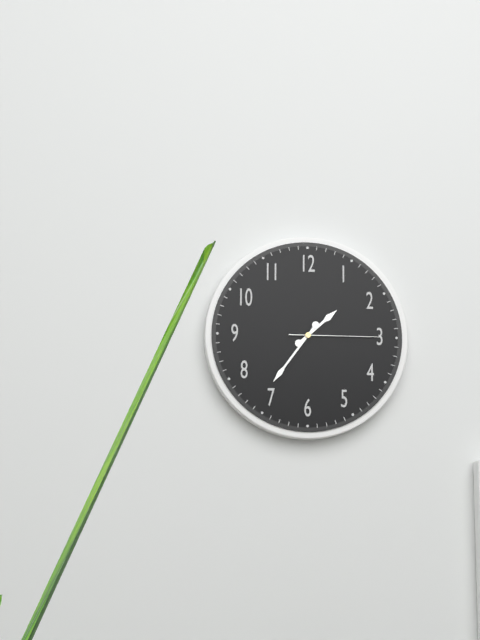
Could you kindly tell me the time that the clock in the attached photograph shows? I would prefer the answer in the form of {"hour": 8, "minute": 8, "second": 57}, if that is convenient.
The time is {"hour": 1, "minute": 36, "second": 15}
